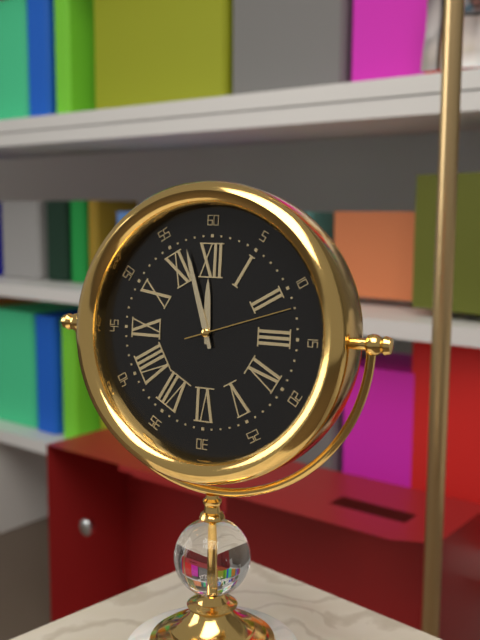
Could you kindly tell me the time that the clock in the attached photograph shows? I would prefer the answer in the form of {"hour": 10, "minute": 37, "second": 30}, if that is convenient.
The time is {"hour": 11, "minute": 57, "second": 12}
